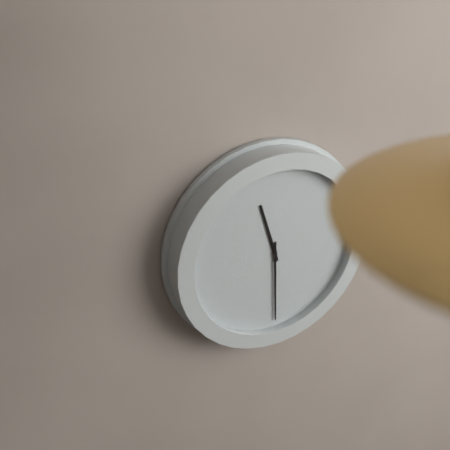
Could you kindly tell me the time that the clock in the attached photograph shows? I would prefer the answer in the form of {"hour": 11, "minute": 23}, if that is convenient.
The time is {"hour": 11, "minute": 30}
